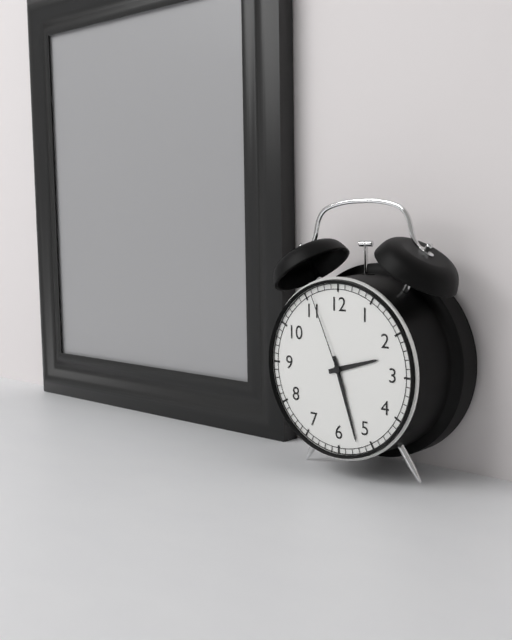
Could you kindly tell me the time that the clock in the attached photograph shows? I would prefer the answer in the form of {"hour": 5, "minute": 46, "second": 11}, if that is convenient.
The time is {"hour": 2, "minute": 27, "second": 56}
